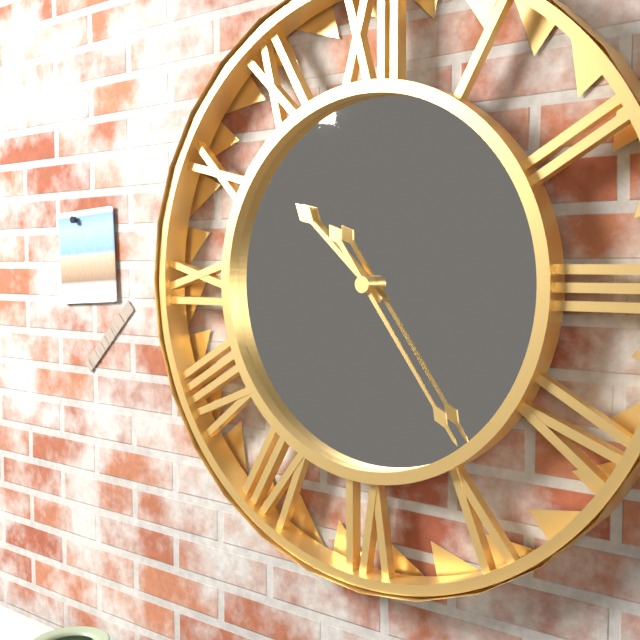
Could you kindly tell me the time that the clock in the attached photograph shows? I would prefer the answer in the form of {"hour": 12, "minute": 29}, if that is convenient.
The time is {"hour": 10, "minute": 24}
